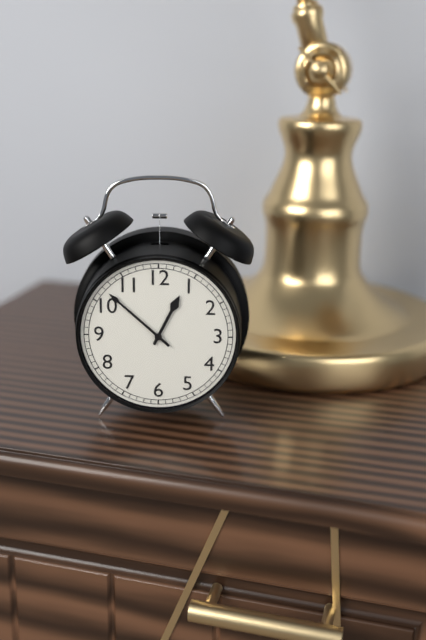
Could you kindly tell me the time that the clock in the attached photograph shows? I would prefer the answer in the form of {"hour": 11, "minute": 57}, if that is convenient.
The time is {"hour": 12, "minute": 52}
